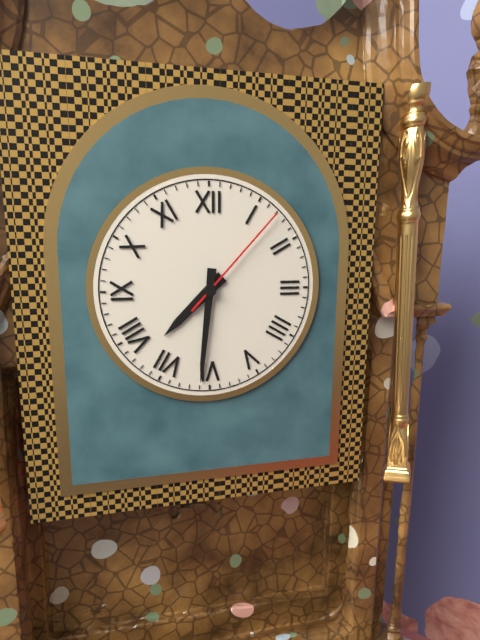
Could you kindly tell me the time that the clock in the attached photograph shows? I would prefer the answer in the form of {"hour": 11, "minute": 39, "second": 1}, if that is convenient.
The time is {"hour": 7, "minute": 31, "second": 7}
